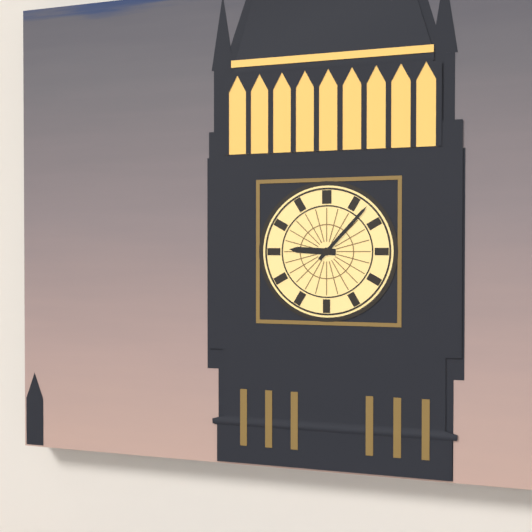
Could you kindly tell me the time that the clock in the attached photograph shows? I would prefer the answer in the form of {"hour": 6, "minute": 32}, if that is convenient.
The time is {"hour": 9, "minute": 7}
